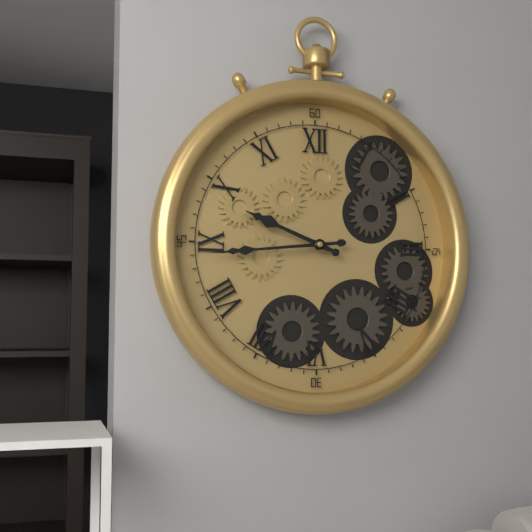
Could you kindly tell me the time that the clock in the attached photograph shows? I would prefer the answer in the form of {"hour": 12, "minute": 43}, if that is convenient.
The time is {"hour": 9, "minute": 44}
